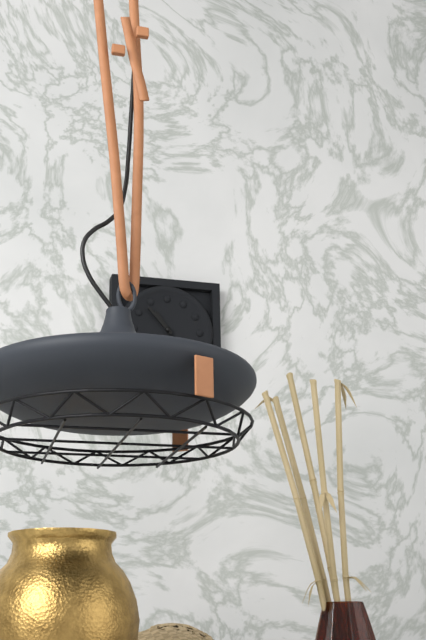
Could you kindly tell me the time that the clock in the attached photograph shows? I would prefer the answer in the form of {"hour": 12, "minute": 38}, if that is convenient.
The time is {"hour": 10, "minute": 53}
